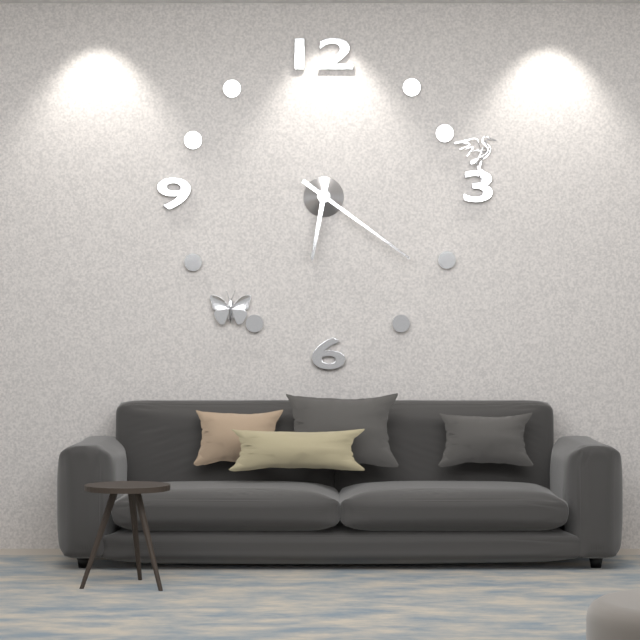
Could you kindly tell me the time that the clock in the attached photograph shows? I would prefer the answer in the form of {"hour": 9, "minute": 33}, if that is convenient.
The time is {"hour": 6, "minute": 21}
